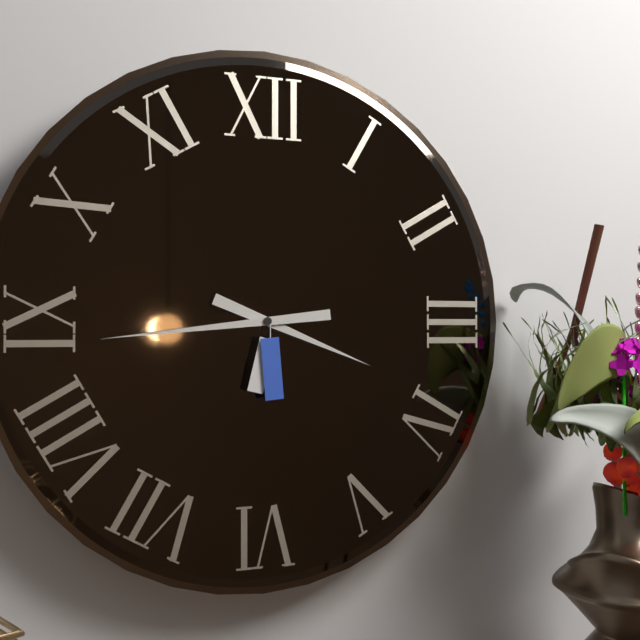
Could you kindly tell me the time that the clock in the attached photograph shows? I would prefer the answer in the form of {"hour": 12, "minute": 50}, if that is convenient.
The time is {"hour": 3, "minute": 44}
